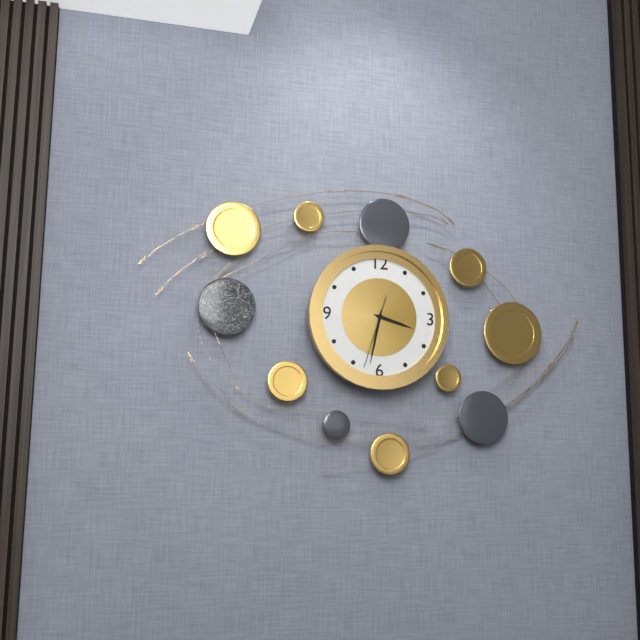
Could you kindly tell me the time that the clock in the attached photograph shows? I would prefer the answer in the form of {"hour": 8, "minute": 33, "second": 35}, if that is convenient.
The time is {"hour": 3, "minute": 32, "second": 33}
